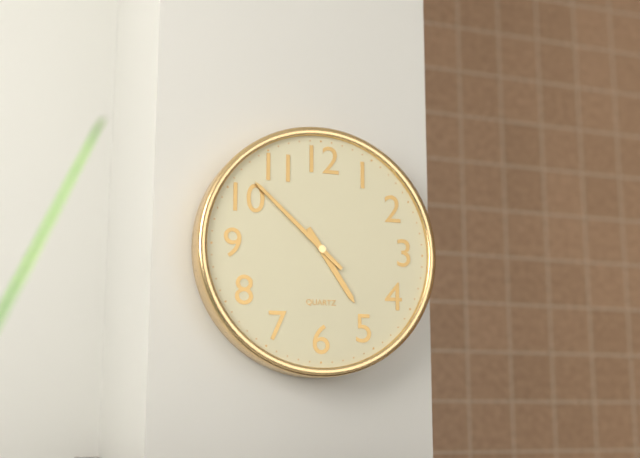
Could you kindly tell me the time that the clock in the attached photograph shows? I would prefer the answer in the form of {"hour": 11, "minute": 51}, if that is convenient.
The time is {"hour": 4, "minute": 52}
